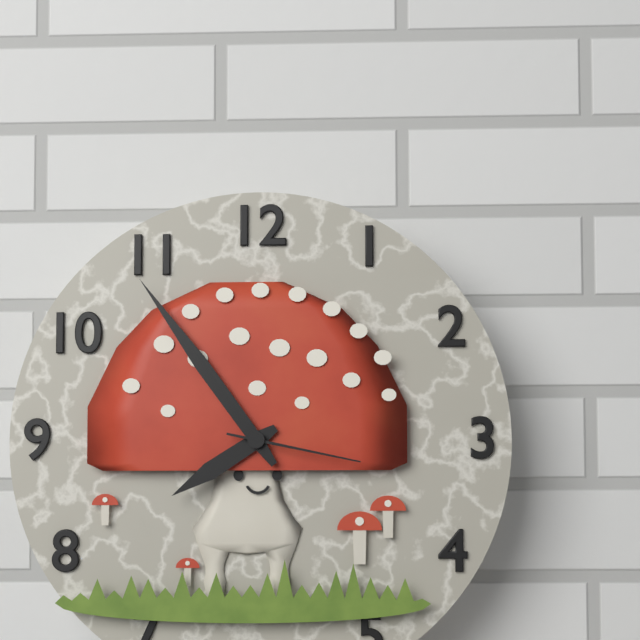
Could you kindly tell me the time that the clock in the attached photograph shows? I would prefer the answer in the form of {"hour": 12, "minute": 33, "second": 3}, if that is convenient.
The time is {"hour": 7, "minute": 54, "second": 17}
